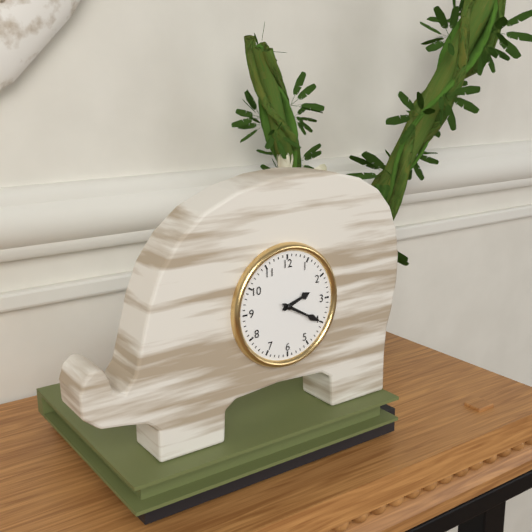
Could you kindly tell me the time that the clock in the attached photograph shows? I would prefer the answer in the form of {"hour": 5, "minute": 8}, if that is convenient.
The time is {"hour": 2, "minute": 20}
